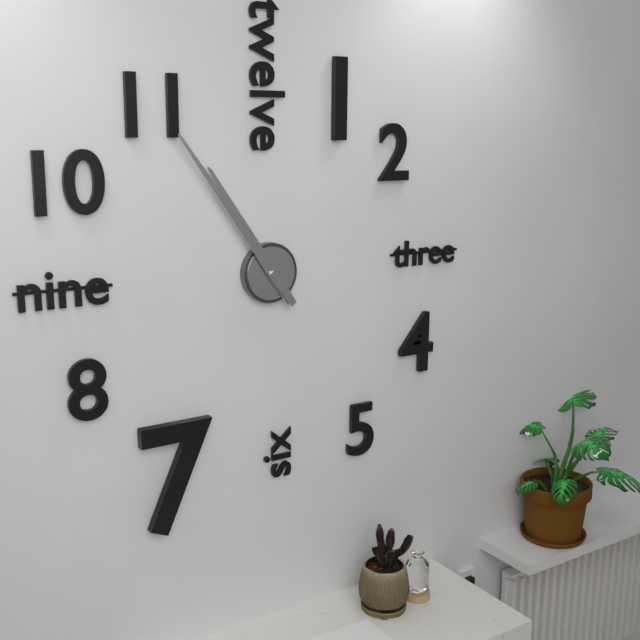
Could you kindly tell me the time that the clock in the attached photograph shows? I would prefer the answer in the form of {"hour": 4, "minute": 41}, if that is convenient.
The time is {"hour": 10, "minute": 54}
